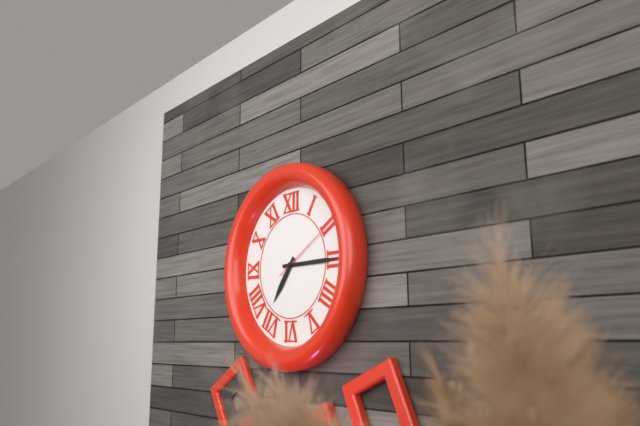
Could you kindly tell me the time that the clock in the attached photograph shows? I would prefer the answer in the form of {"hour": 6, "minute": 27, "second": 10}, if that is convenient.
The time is {"hour": 7, "minute": 15, "second": 10}
